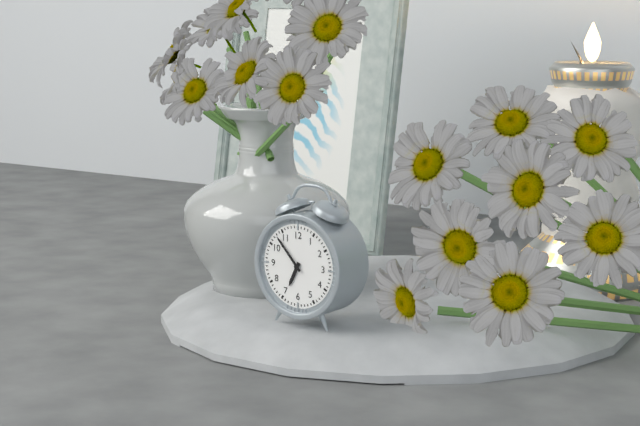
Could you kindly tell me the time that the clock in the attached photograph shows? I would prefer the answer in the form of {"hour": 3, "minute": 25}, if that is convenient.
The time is {"hour": 6, "minute": 53}
